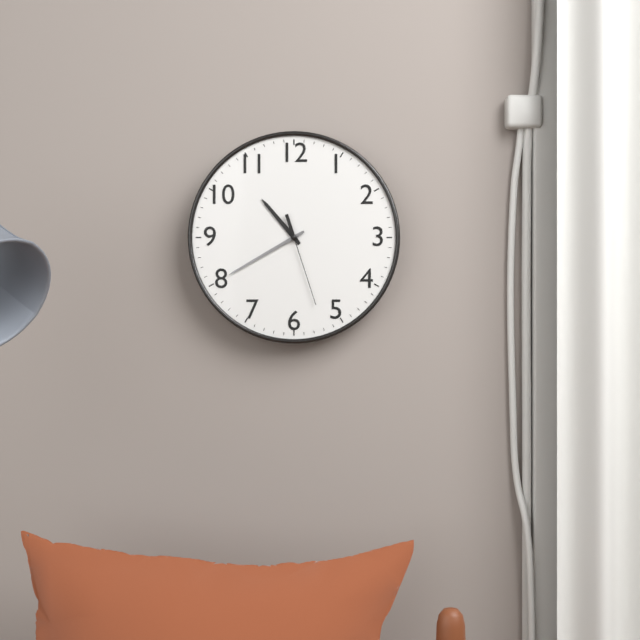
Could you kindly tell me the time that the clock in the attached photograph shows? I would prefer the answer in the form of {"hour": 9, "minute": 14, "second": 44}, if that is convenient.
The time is {"hour": 10, "minute": 40, "second": 27}
